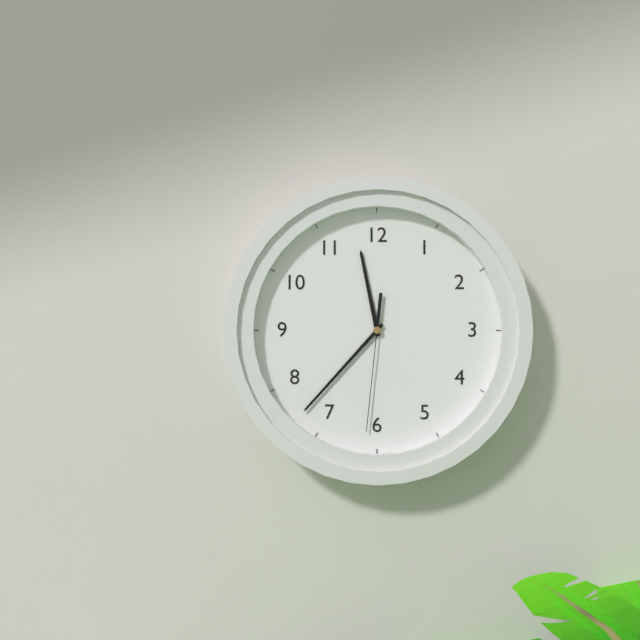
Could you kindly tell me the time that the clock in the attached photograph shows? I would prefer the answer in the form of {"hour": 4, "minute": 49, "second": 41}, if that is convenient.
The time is {"hour": 11, "minute": 37, "second": 31}
